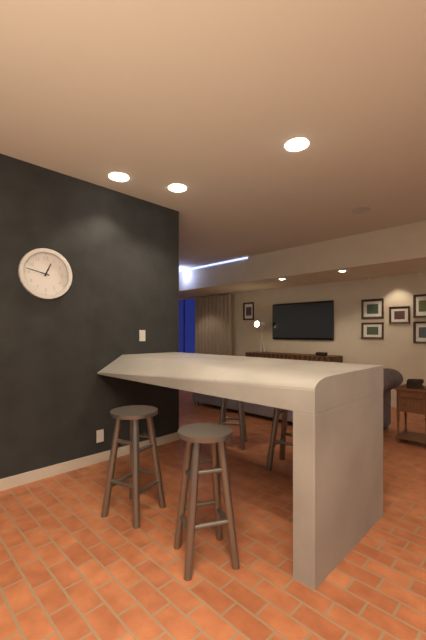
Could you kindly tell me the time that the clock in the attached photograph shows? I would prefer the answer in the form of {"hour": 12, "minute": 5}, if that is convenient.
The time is {"hour": 12, "minute": 47}
